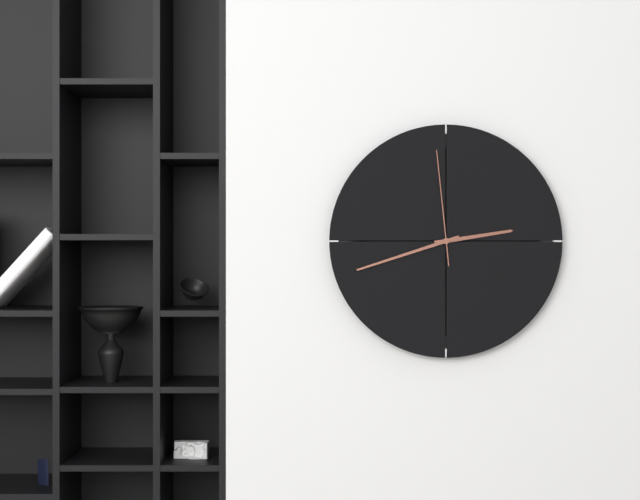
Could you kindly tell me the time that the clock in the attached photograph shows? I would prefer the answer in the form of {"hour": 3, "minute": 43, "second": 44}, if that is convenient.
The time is {"hour": 2, "minute": 42, "second": 59}
